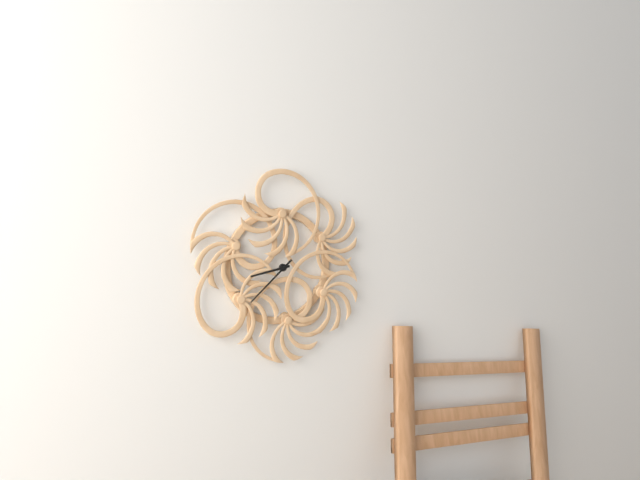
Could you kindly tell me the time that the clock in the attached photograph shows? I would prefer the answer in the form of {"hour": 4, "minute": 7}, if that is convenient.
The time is {"hour": 8, "minute": 38}
